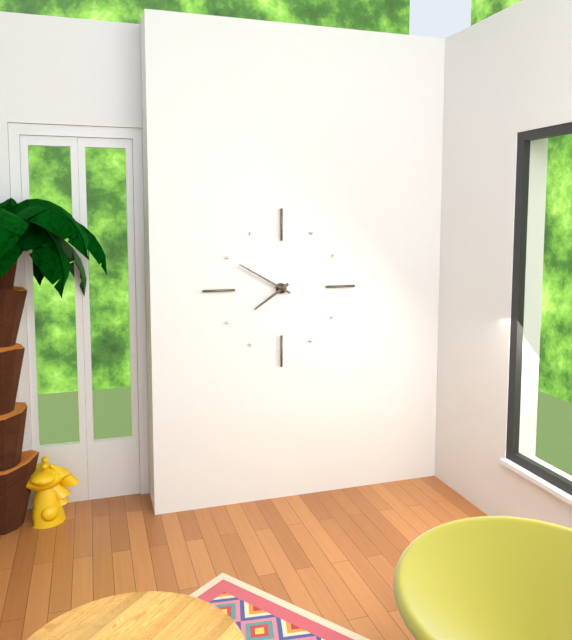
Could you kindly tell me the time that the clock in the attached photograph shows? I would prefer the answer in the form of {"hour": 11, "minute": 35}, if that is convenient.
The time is {"hour": 7, "minute": 50}
